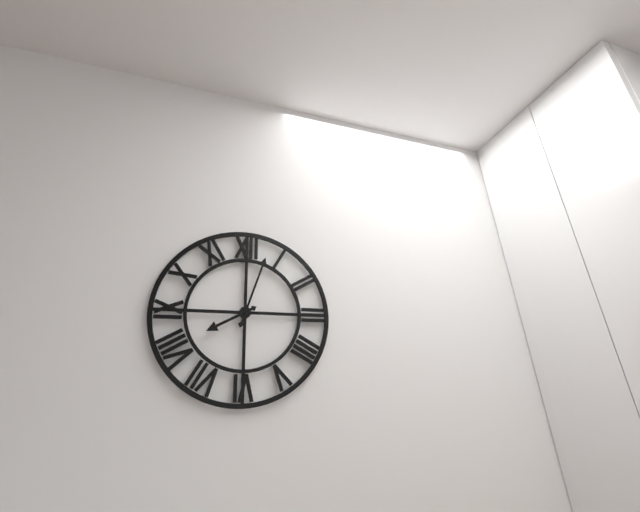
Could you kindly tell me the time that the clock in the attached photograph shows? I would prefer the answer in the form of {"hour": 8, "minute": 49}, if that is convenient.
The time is {"hour": 8, "minute": 3}
